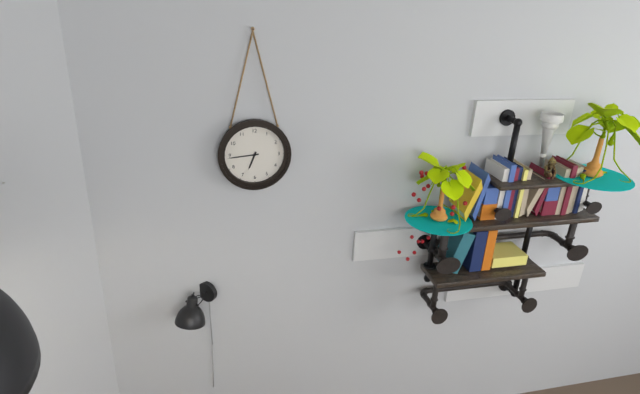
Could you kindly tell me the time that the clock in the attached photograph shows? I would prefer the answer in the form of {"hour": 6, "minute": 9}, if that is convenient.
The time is {"hour": 6, "minute": 44}
